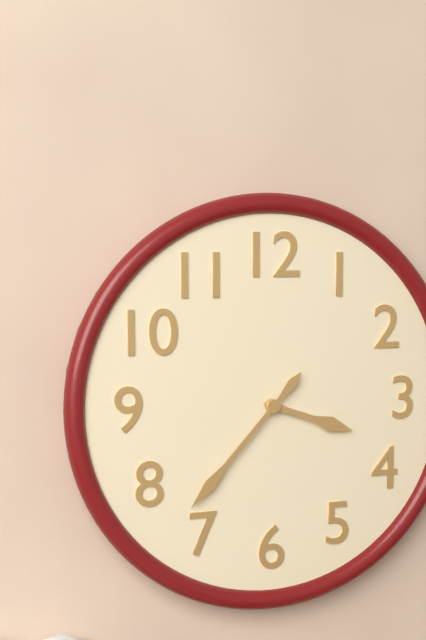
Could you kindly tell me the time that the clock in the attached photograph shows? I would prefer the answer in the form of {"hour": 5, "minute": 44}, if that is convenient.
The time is {"hour": 3, "minute": 37}
